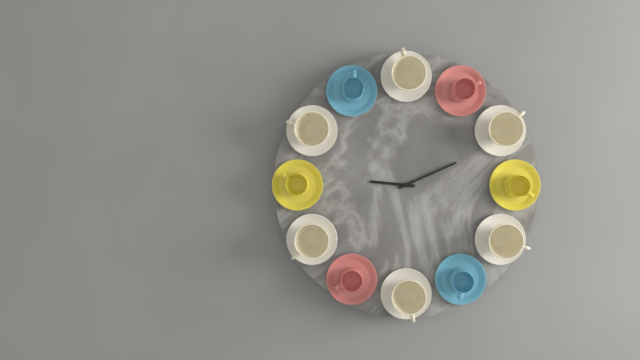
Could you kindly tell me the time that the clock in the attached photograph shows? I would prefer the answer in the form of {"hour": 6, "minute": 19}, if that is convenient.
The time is {"hour": 9, "minute": 11}
